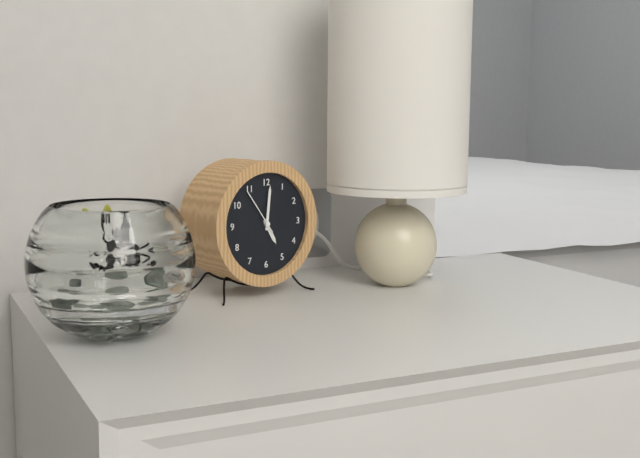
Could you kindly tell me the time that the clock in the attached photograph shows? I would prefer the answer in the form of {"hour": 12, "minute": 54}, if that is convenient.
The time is {"hour": 5, "minute": 1}
